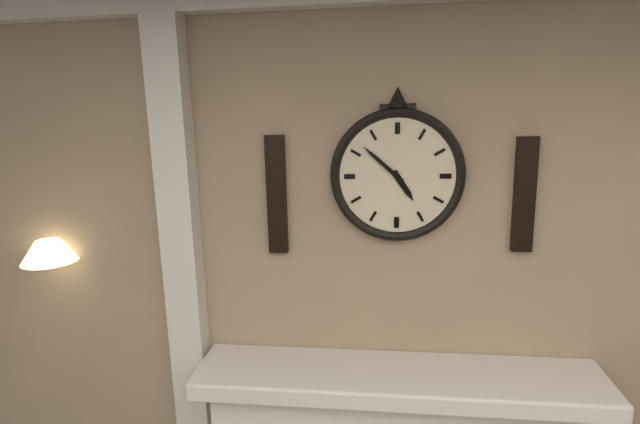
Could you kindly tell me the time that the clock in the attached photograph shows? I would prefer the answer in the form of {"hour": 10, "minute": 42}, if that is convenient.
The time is {"hour": 4, "minute": 52}
